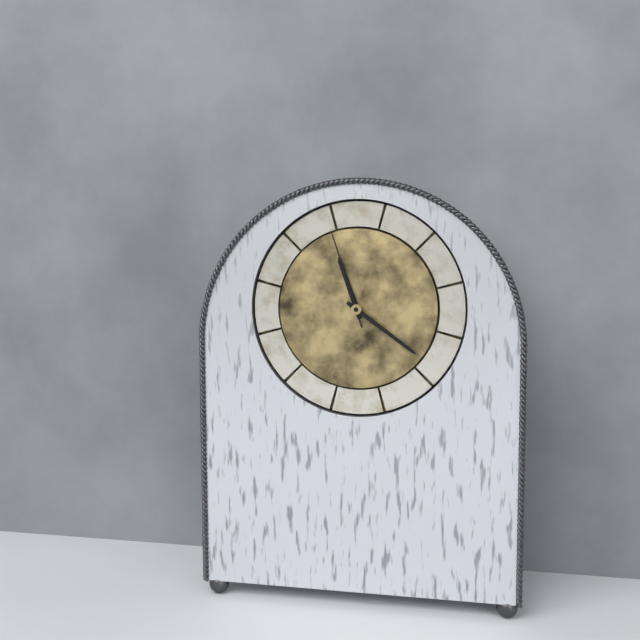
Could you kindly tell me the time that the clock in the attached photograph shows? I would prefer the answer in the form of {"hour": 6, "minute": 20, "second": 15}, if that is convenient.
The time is {"hour": 11, "minute": 21, "second": 57}
